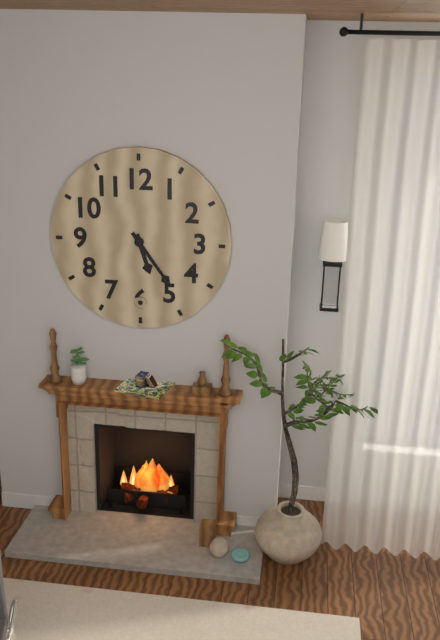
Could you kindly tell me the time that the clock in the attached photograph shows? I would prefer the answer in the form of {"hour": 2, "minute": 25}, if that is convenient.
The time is {"hour": 5, "minute": 24}
